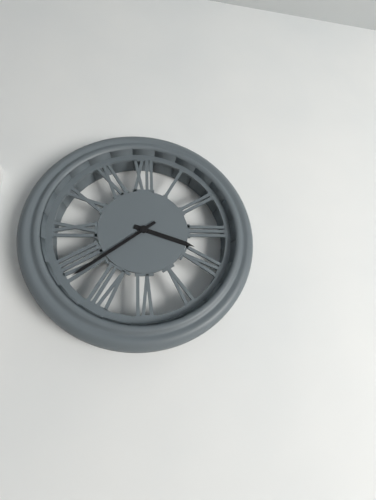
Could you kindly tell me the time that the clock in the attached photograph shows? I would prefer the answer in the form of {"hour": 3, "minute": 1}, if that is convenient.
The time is {"hour": 3, "minute": 39}
